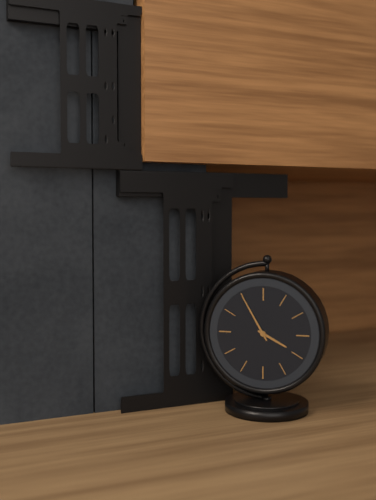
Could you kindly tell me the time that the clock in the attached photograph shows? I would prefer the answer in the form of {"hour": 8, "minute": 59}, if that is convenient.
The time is {"hour": 3, "minute": 55}
